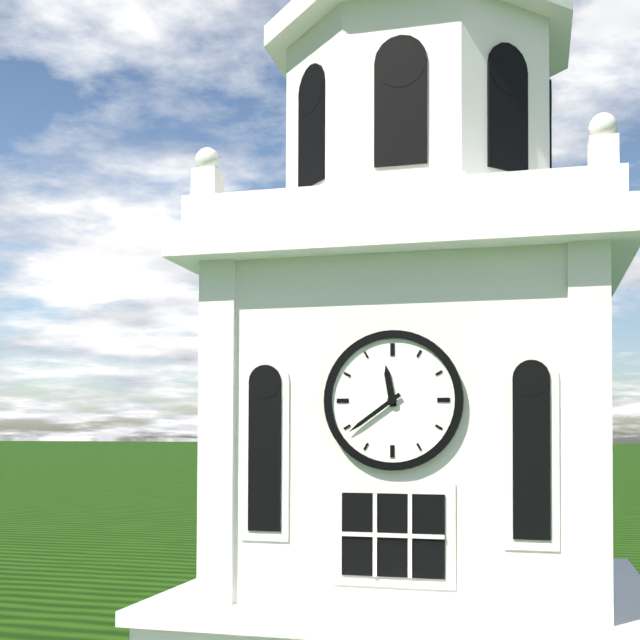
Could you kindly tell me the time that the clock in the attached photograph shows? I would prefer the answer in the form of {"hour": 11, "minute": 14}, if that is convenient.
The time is {"hour": 11, "minute": 39}
